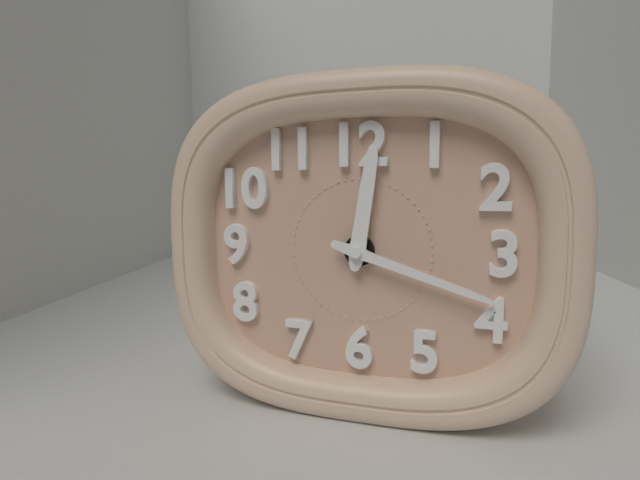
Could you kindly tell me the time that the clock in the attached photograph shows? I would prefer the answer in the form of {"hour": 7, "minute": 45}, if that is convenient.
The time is {"hour": 12, "minute": 18}
